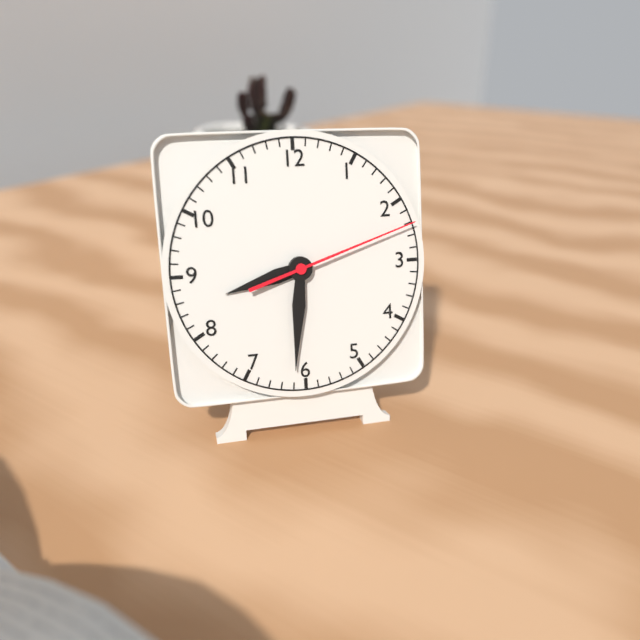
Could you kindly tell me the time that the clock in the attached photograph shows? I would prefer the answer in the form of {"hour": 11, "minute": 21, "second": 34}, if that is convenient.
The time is {"hour": 8, "minute": 31, "second": 12}
